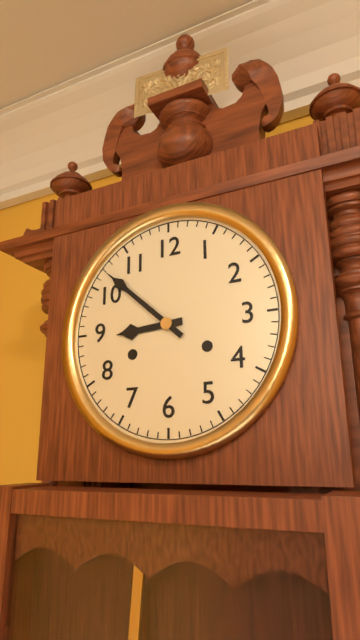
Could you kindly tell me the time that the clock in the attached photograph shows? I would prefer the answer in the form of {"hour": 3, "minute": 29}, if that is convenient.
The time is {"hour": 8, "minute": 52}
